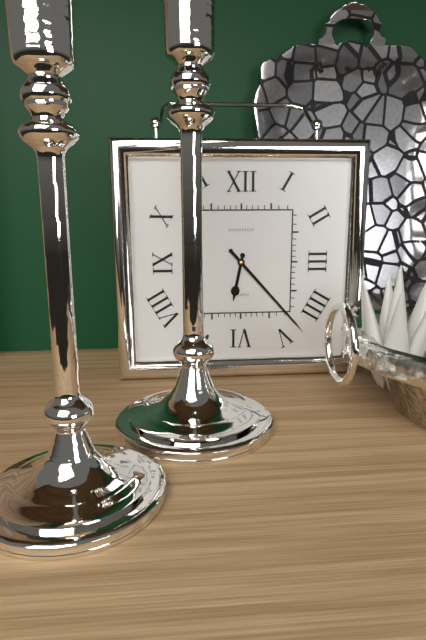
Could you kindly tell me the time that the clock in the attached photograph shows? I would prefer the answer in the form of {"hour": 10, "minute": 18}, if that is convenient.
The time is {"hour": 6, "minute": 23}
